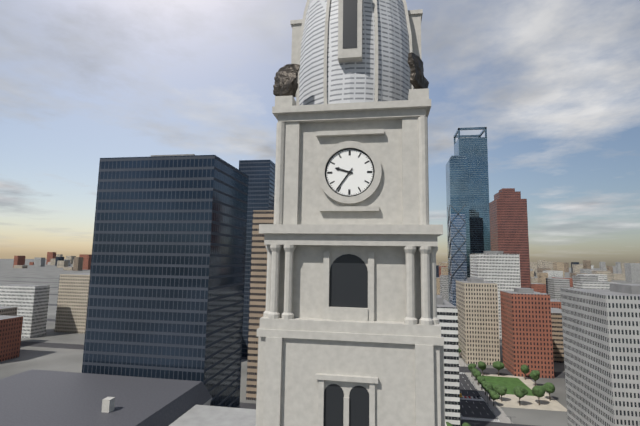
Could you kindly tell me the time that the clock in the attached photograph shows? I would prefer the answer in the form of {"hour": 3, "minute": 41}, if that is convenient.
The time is {"hour": 9, "minute": 36}
